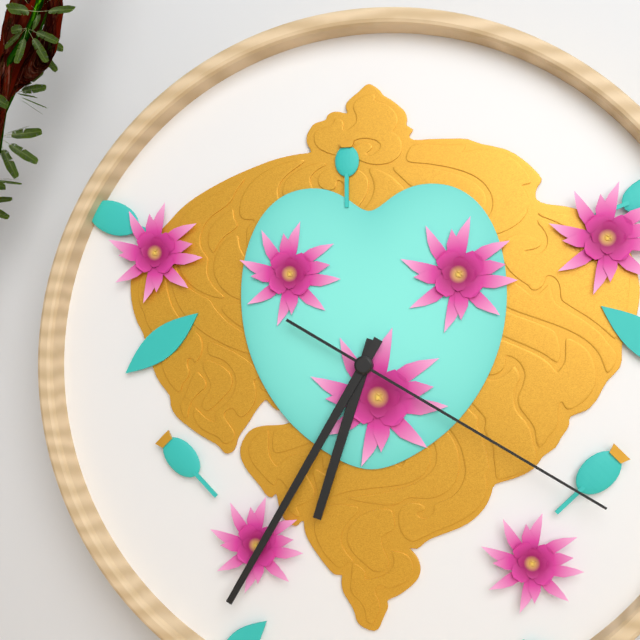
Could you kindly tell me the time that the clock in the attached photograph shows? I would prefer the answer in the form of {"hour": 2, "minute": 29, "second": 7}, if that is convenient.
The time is {"hour": 6, "minute": 35, "second": 20}
